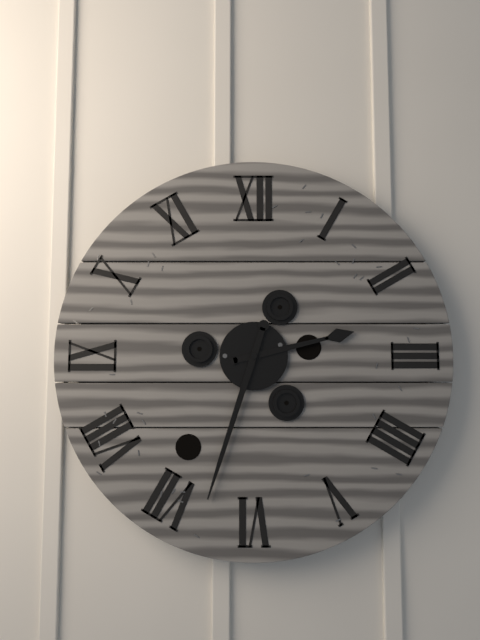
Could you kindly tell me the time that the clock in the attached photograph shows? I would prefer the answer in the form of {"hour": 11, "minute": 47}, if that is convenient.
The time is {"hour": 2, "minute": 33}
